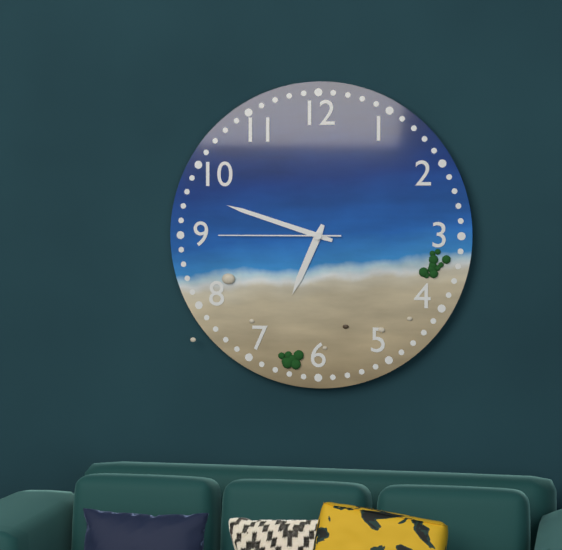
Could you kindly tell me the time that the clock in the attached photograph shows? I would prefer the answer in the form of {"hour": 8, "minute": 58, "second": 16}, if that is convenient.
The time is {"hour": 6, "minute": 48, "second": 45}
